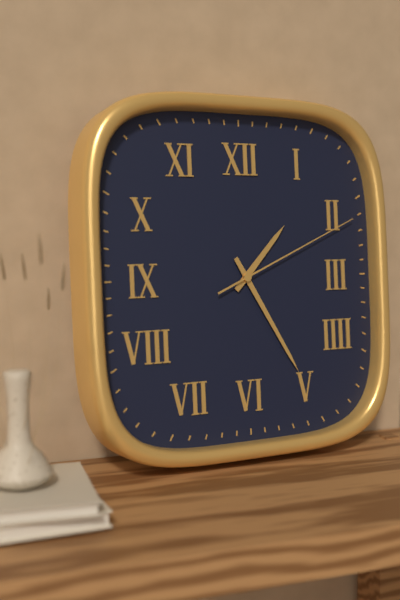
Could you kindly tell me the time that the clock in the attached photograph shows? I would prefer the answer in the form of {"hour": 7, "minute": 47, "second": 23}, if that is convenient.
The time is {"hour": 1, "minute": 25, "second": 11}
